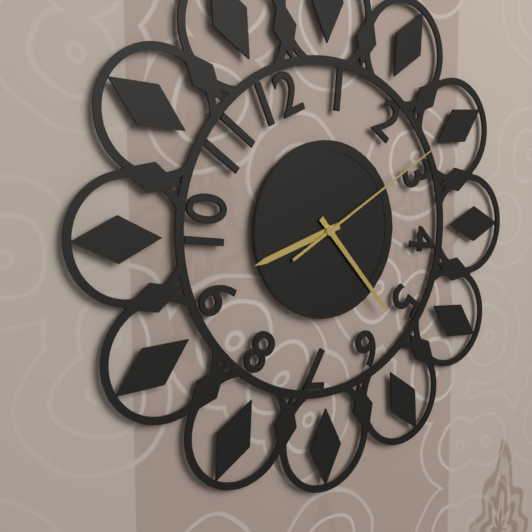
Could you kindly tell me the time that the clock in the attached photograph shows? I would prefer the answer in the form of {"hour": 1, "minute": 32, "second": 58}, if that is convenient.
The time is {"hour": 8, "minute": 23, "second": 10}
